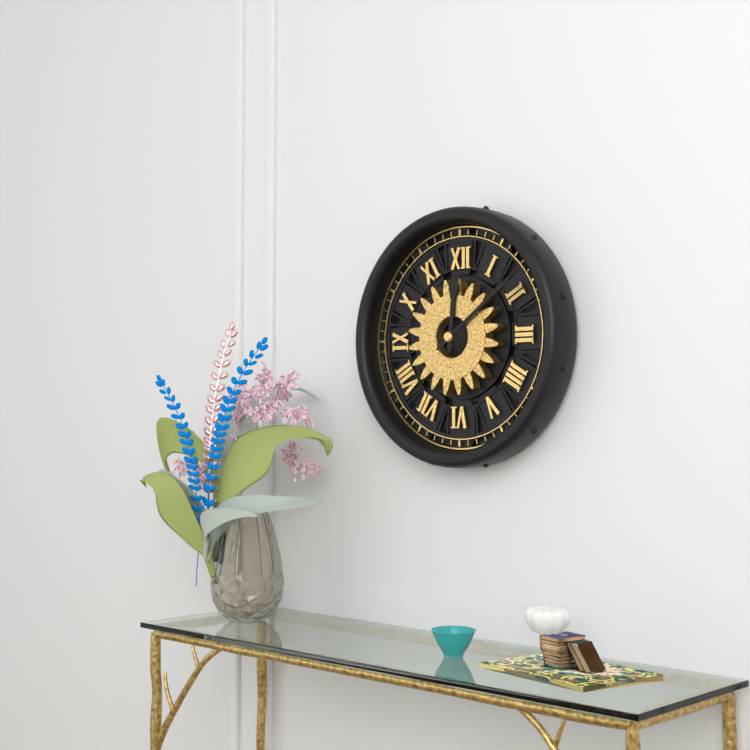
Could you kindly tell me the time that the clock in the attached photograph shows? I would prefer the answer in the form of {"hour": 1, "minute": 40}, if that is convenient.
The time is {"hour": 12, "minute": 9}
